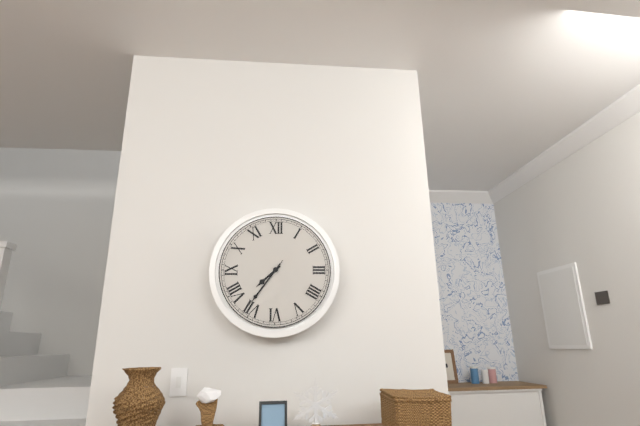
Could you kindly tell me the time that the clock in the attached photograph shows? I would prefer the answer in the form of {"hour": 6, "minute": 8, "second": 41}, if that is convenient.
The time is {"hour": 7, "minute": 36, "second": 36}
